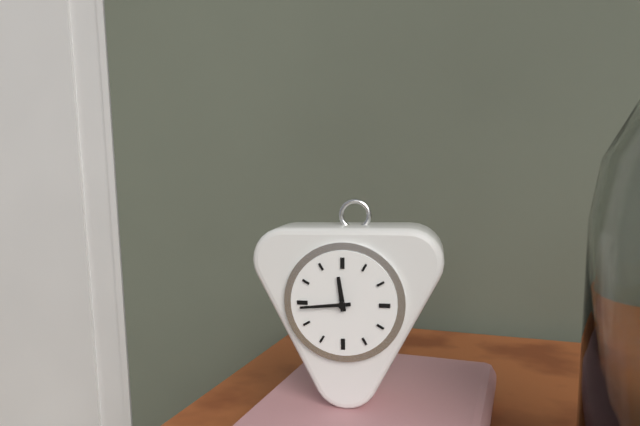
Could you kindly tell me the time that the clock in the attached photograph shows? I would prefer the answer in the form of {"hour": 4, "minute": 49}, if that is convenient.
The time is {"hour": 11, "minute": 44}
